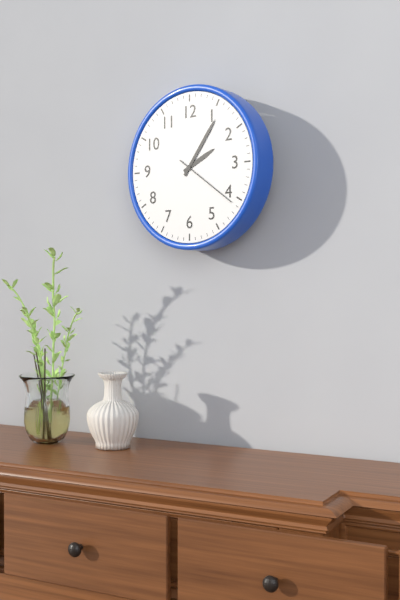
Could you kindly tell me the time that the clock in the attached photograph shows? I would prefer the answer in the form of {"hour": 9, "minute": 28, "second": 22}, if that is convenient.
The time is {"hour": 2, "minute": 6, "second": 21}
